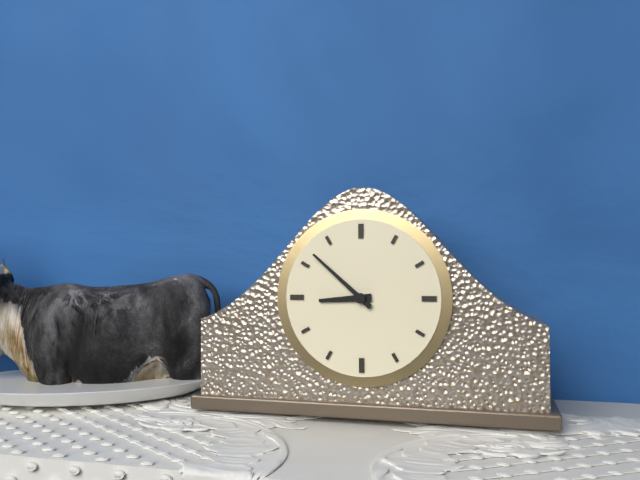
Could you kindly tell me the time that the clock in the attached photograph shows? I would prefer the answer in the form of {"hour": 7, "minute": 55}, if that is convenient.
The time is {"hour": 8, "minute": 52}
